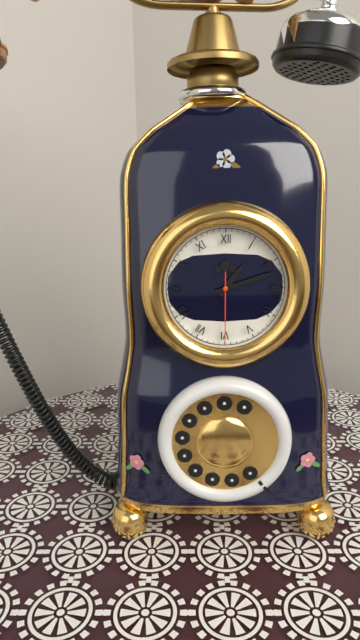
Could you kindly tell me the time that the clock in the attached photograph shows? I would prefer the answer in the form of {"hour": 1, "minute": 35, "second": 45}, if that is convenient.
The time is {"hour": 1, "minute": 12, "second": 30}
